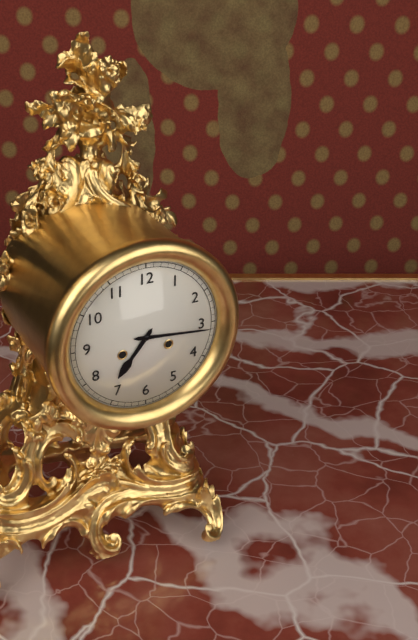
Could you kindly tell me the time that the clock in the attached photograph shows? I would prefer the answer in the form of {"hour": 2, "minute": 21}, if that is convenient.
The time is {"hour": 7, "minute": 16}
